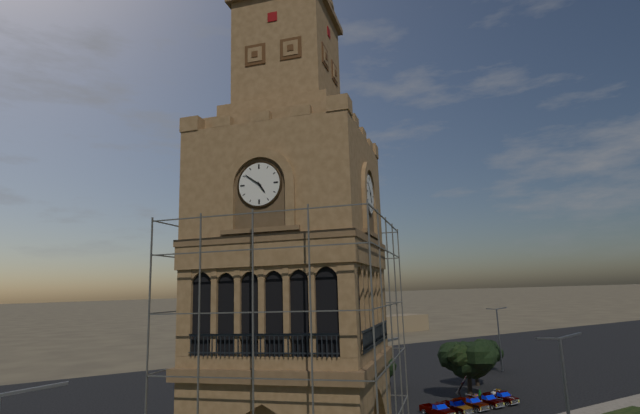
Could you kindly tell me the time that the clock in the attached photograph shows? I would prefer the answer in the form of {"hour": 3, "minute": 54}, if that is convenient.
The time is {"hour": 4, "minute": 51}
